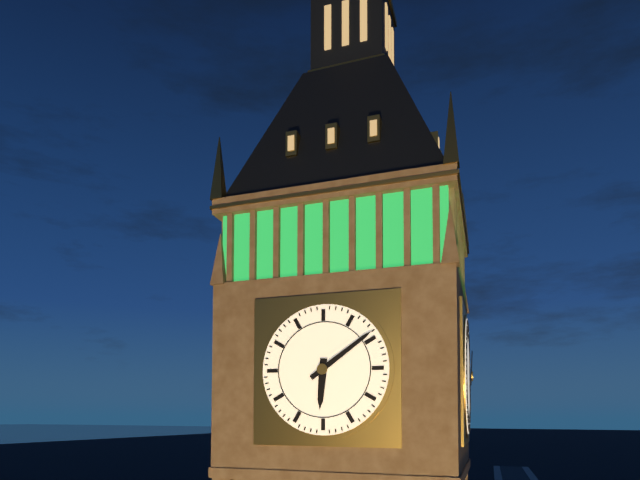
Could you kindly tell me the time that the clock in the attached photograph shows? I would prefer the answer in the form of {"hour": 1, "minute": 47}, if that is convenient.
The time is {"hour": 6, "minute": 9}
